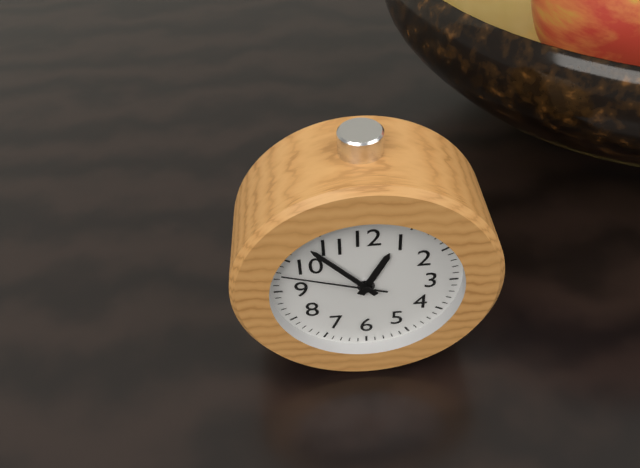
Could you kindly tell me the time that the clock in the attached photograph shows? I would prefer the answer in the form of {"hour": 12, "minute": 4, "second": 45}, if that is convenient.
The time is {"hour": 12, "minute": 53, "second": 48}
